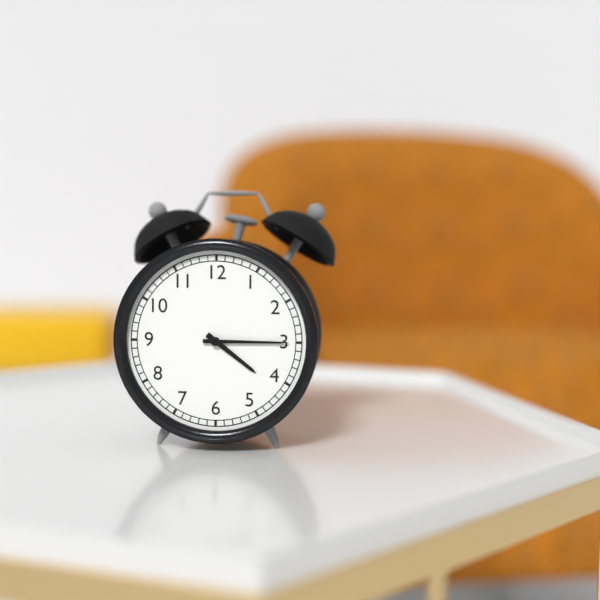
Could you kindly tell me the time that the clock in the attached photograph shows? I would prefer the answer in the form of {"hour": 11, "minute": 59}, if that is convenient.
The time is {"hour": 4, "minute": 15}
